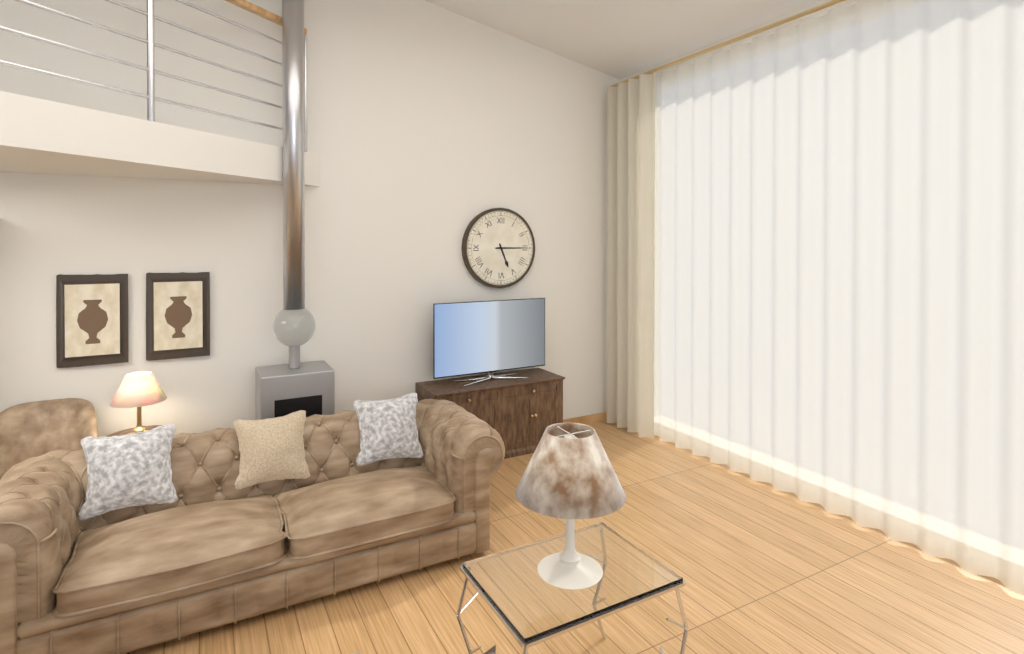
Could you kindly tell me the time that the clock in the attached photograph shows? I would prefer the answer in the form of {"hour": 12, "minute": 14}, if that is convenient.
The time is {"hour": 5, "minute": 15}
